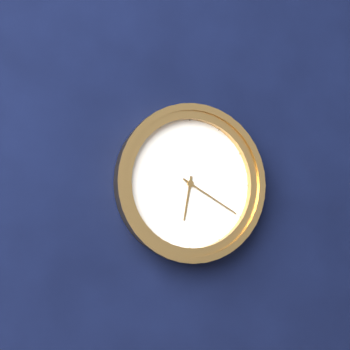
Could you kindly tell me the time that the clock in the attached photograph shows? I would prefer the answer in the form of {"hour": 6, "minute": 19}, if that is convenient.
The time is {"hour": 6, "minute": 20}
